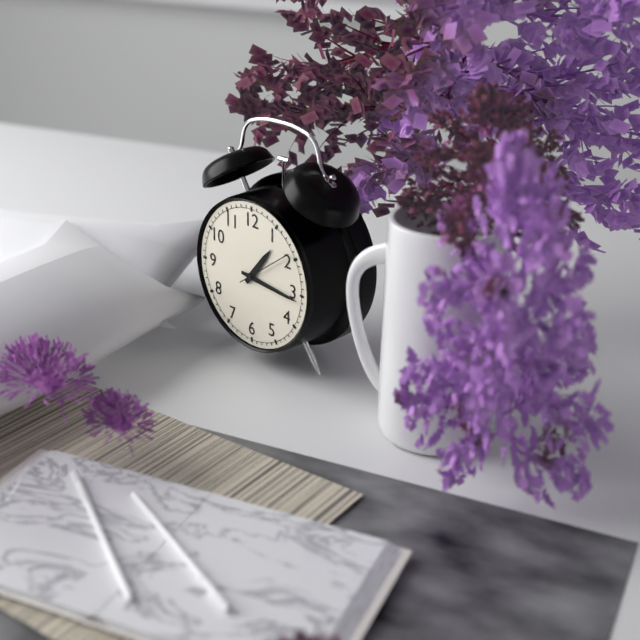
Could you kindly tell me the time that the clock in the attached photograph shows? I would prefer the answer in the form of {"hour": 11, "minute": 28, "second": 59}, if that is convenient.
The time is {"hour": 1, "minute": 16, "second": 9}
